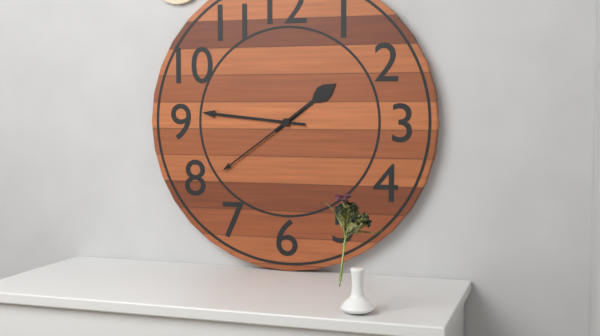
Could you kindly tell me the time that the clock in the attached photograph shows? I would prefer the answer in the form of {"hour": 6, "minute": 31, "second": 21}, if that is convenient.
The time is {"hour": 1, "minute": 46, "second": 39}
